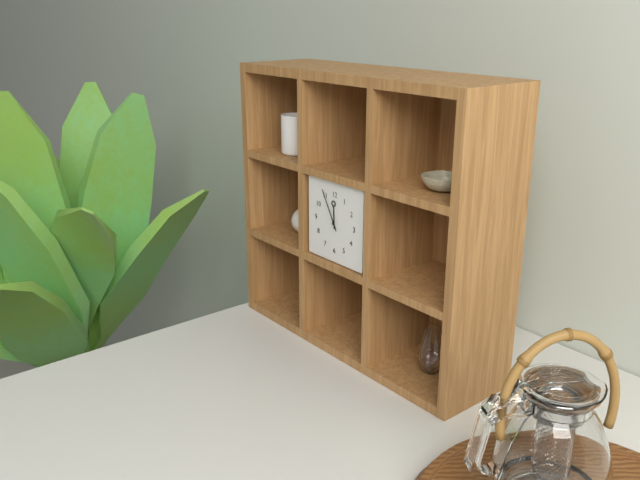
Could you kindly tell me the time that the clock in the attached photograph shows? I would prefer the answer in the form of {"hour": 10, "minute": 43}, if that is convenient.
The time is {"hour": 11, "minute": 55}
